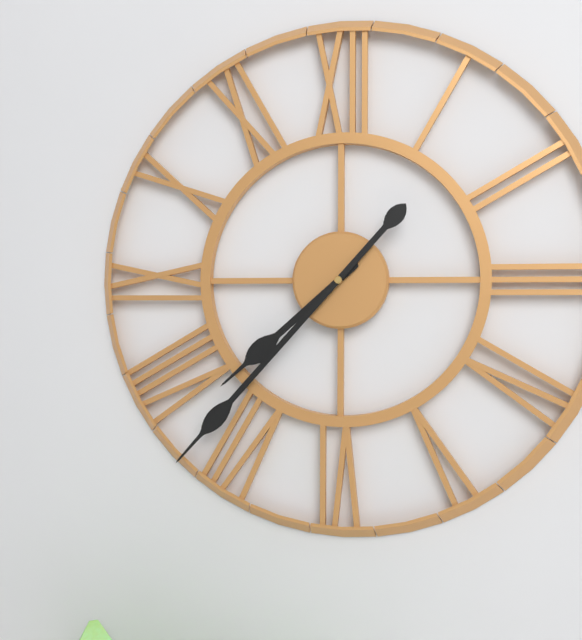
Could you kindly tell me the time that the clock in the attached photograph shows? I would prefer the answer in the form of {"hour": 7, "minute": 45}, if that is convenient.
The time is {"hour": 7, "minute": 37}
